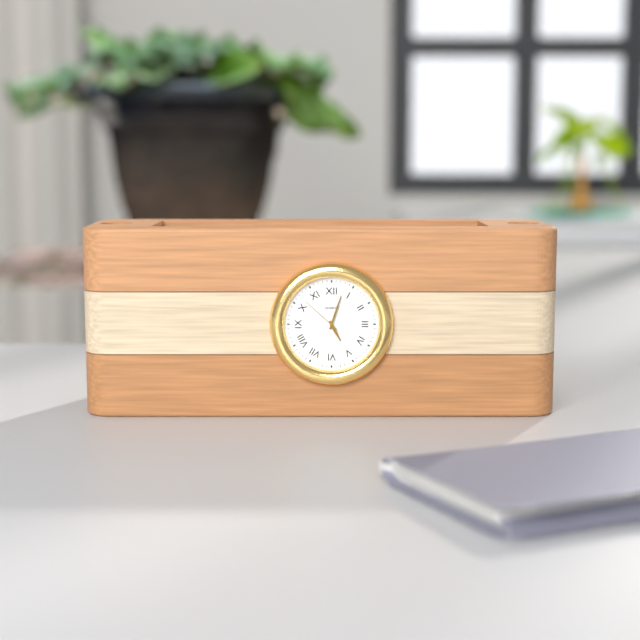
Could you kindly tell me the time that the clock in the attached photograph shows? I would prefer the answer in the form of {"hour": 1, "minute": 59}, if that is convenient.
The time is {"hour": 5, "minute": 3}
